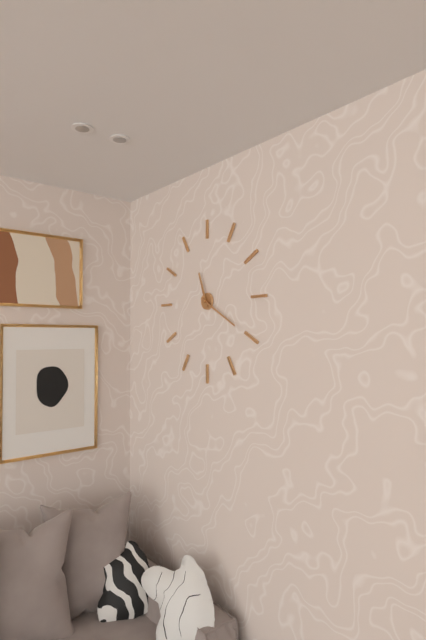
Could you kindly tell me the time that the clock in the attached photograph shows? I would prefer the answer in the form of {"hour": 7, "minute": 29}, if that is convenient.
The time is {"hour": 11, "minute": 20}
